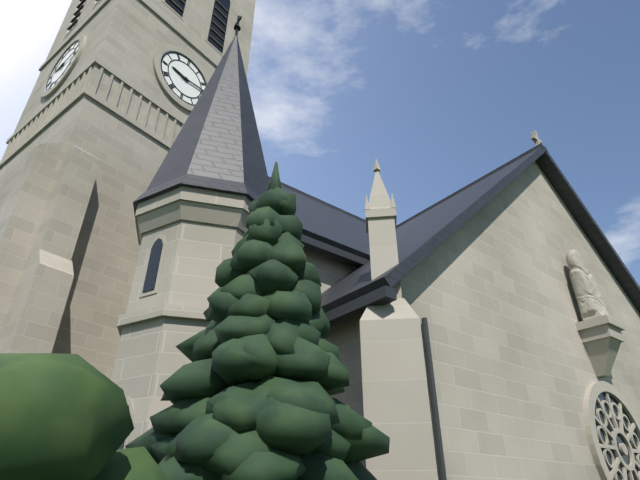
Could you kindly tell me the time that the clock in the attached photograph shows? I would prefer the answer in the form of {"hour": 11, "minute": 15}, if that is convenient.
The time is {"hour": 9, "minute": 14}
